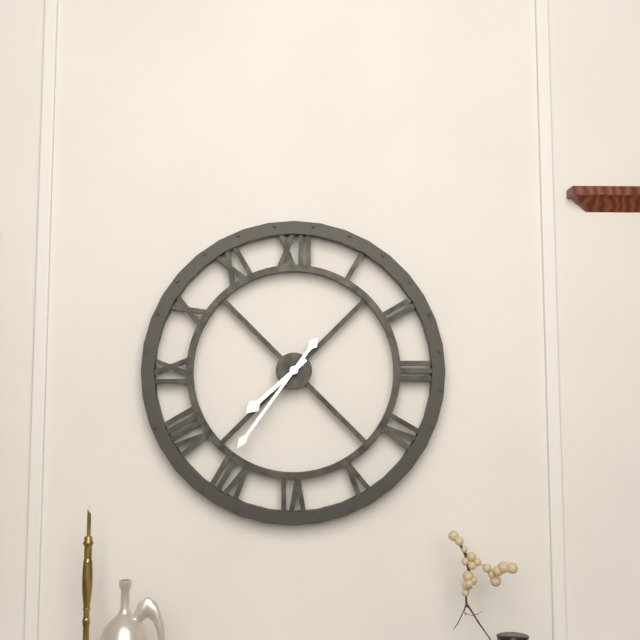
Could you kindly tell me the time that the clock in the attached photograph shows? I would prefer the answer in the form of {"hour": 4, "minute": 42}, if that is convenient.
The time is {"hour": 7, "minute": 36}
